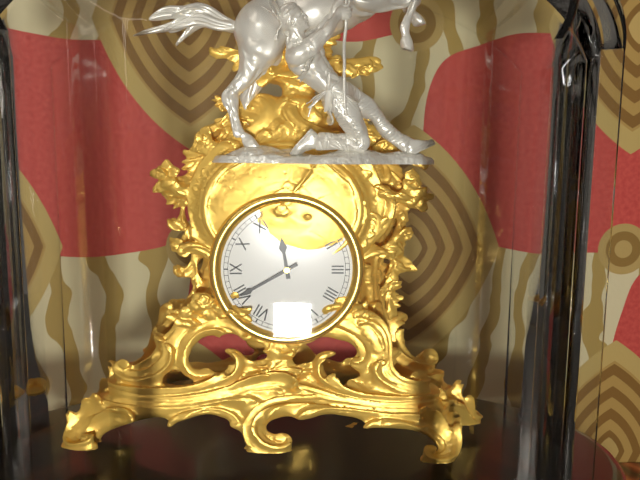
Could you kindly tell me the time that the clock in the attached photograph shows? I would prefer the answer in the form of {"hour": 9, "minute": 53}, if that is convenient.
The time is {"hour": 11, "minute": 40}
